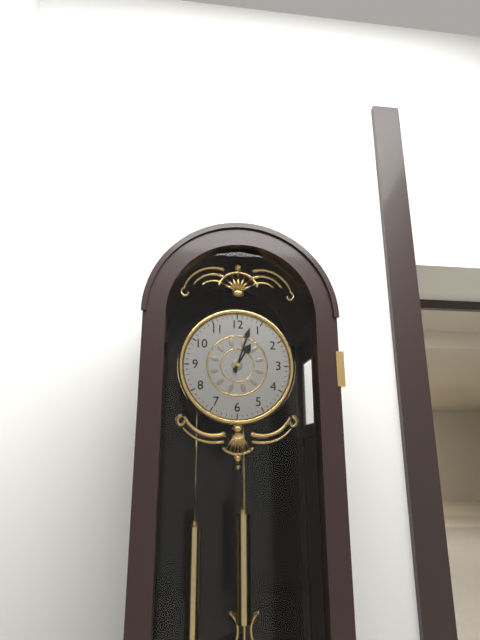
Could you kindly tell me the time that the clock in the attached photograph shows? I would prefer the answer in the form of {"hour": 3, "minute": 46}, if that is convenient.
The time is {"hour": 1, "minute": 3}
